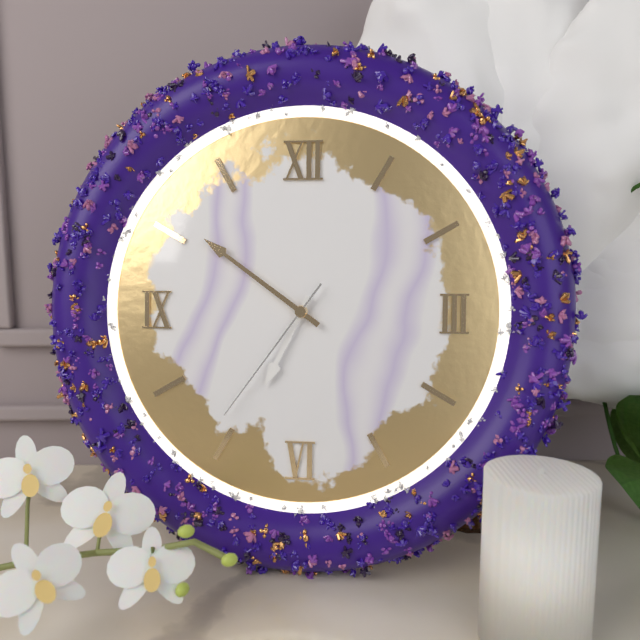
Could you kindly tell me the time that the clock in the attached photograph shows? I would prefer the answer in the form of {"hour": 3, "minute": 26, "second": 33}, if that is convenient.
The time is {"hour": 6, "minute": 51, "second": 36}
